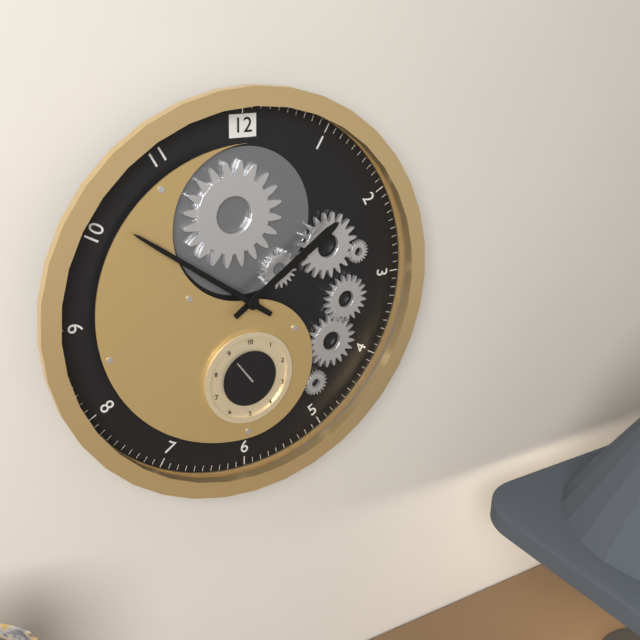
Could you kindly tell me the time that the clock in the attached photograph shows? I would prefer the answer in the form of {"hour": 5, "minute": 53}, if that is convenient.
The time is {"hour": 1, "minute": 51}
